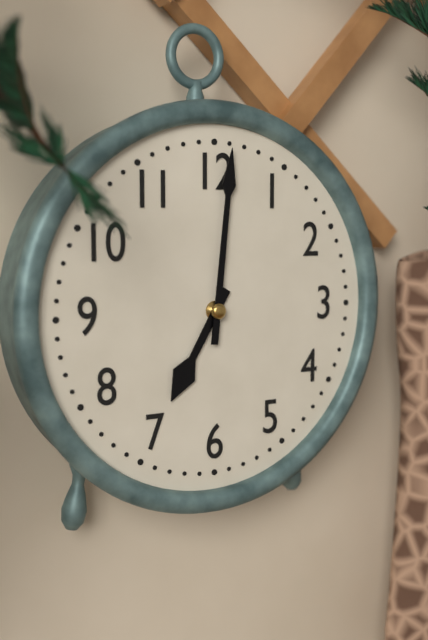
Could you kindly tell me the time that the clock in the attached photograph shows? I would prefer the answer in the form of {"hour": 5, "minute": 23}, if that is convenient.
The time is {"hour": 7, "minute": 1}
